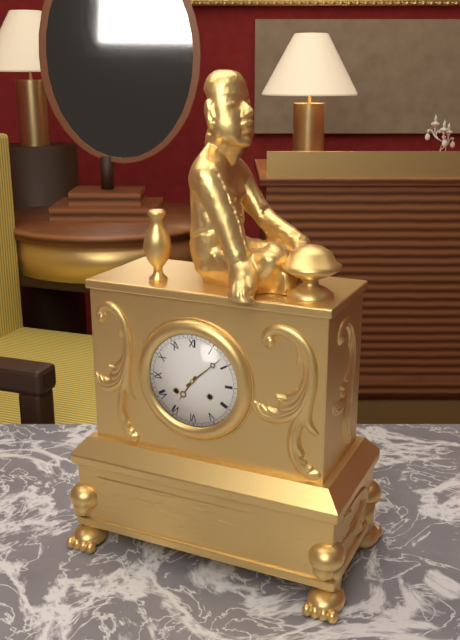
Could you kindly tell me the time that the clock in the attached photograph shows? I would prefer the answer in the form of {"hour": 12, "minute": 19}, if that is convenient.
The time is {"hour": 7, "minute": 8}
